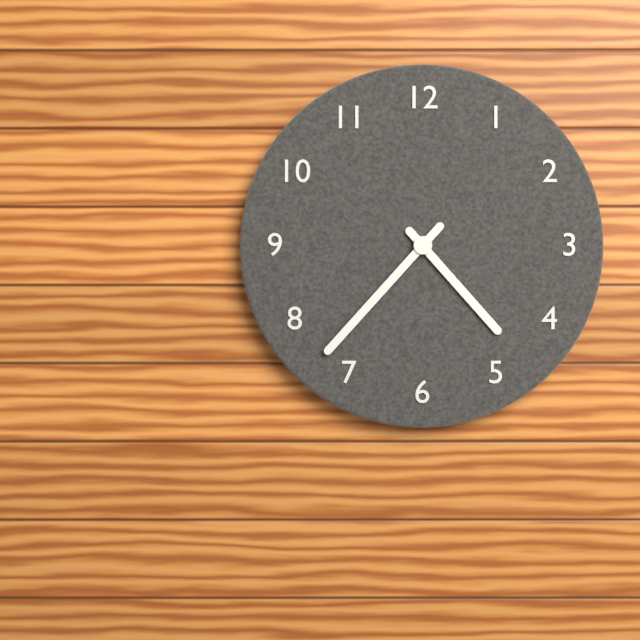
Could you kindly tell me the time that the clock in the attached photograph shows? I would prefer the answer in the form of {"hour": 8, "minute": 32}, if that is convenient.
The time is {"hour": 4, "minute": 37}
